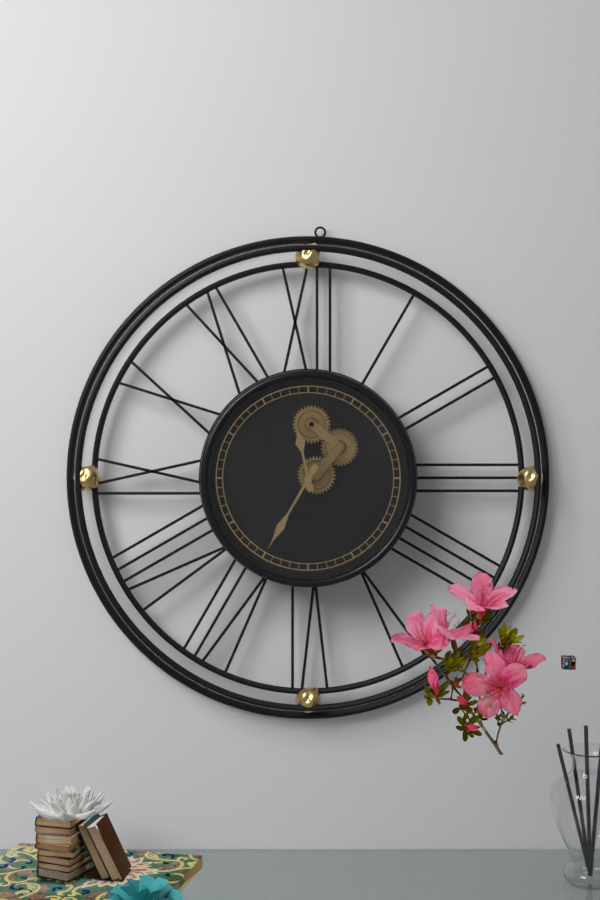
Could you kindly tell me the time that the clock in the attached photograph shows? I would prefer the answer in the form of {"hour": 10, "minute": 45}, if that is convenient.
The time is {"hour": 11, "minute": 35}
